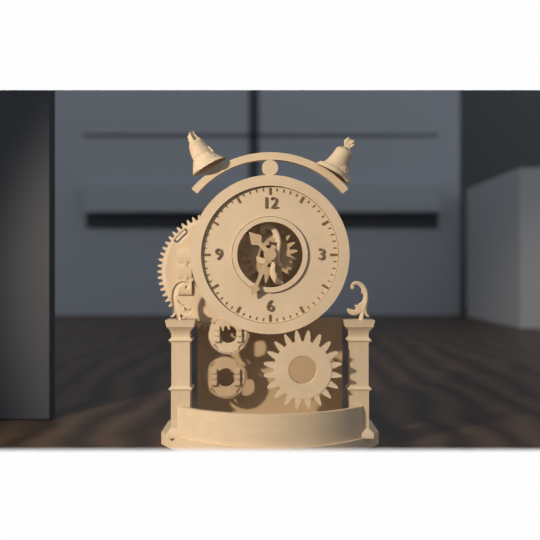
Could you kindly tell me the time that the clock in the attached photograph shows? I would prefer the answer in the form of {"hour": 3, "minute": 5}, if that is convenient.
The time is {"hour": 10, "minute": 34}
